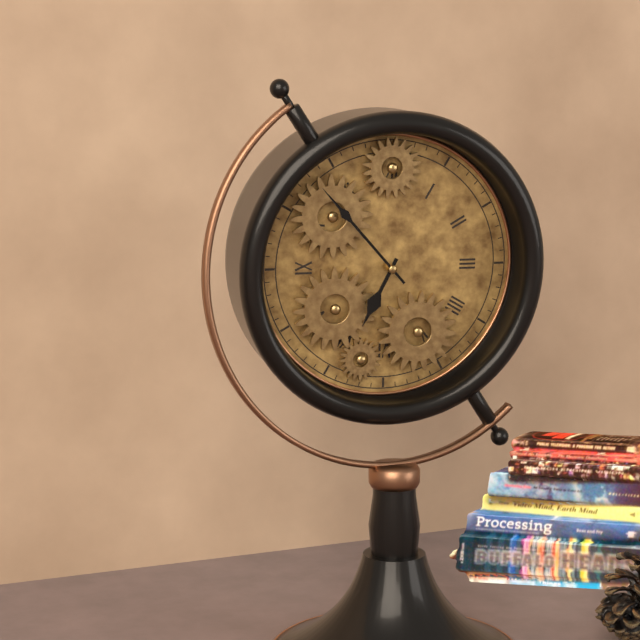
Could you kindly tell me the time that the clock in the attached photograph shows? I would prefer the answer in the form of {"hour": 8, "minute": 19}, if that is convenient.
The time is {"hour": 6, "minute": 53}
